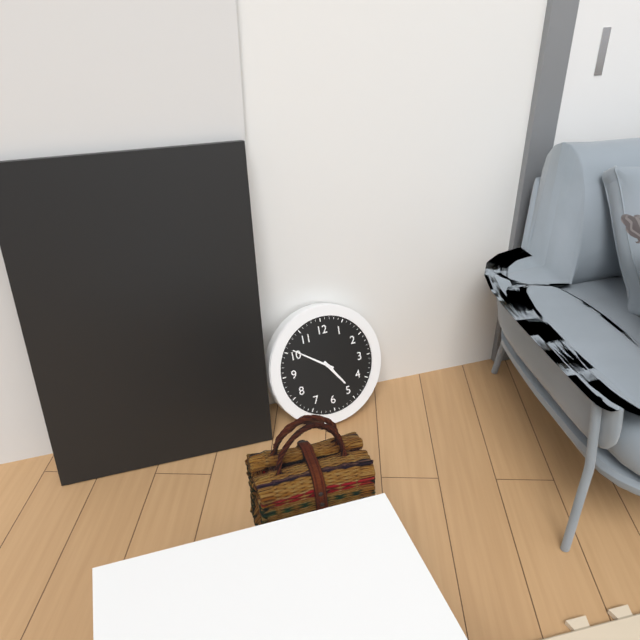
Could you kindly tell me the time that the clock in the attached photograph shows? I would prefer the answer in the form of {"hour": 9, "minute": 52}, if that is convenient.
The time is {"hour": 4, "minute": 51}
